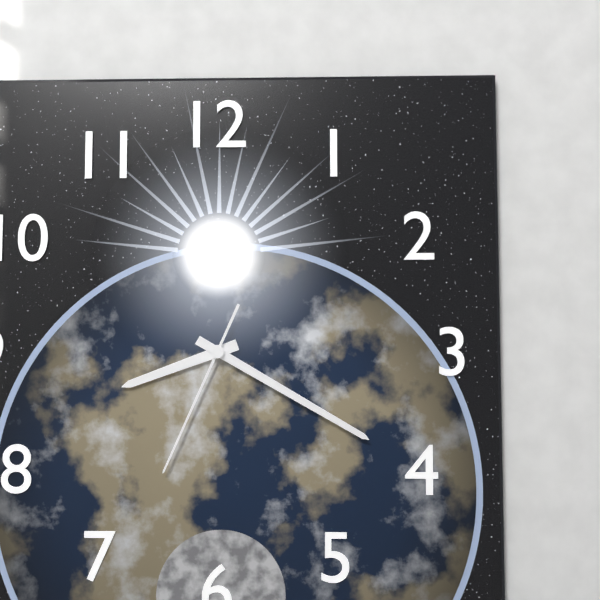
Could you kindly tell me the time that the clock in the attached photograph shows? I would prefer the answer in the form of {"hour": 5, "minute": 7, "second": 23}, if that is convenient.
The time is {"hour": 8, "minute": 20, "second": 34}
